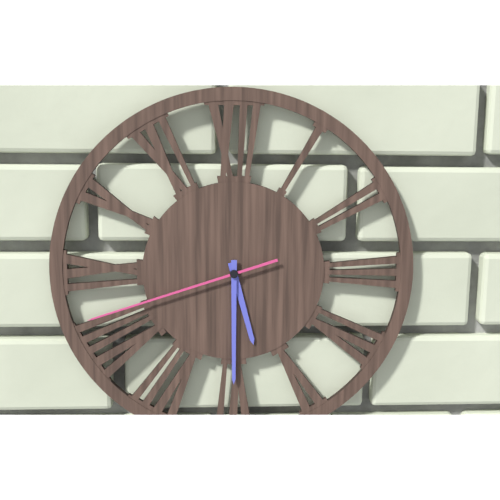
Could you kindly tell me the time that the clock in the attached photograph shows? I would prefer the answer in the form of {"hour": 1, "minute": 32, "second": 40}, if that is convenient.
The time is {"hour": 5, "minute": 30, "second": 42}
